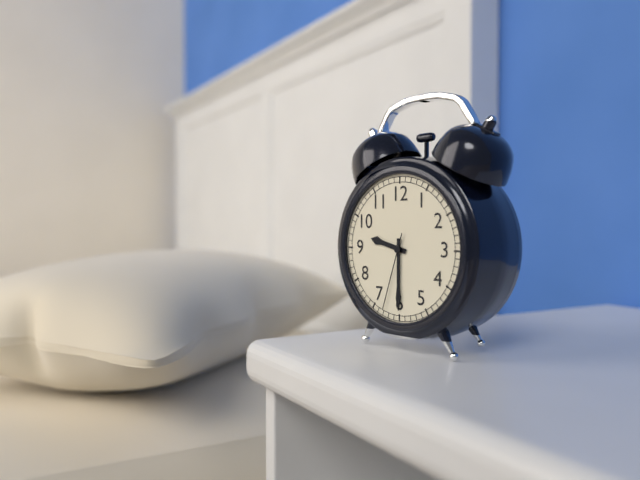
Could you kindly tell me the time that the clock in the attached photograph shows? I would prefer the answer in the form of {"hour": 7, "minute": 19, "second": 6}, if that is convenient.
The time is {"hour": 9, "minute": 30, "second": 33}
